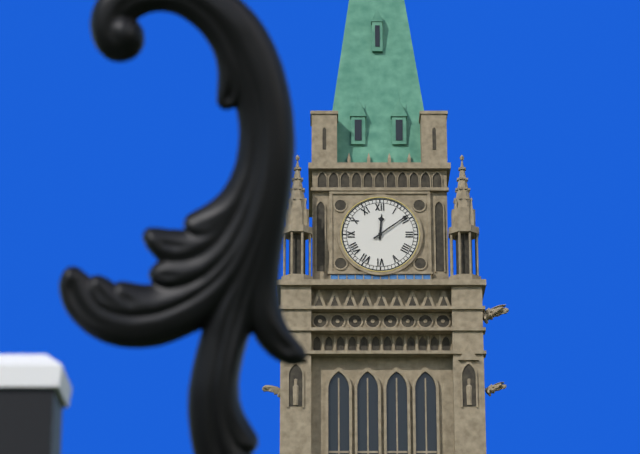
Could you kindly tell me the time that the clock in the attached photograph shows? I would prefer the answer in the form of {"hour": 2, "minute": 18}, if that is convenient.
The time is {"hour": 12, "minute": 9}
